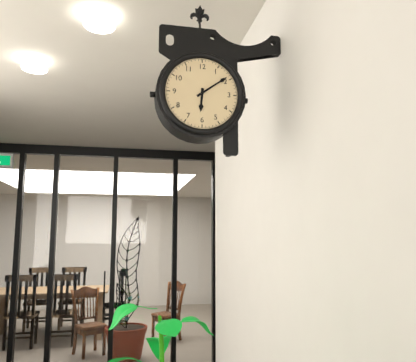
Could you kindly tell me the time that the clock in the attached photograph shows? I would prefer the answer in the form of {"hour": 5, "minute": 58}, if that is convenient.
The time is {"hour": 6, "minute": 9}
